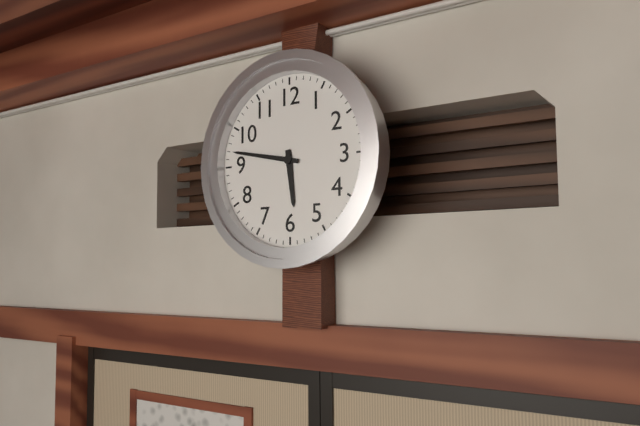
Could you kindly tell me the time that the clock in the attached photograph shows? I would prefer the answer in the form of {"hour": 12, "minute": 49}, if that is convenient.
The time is {"hour": 5, "minute": 47}
